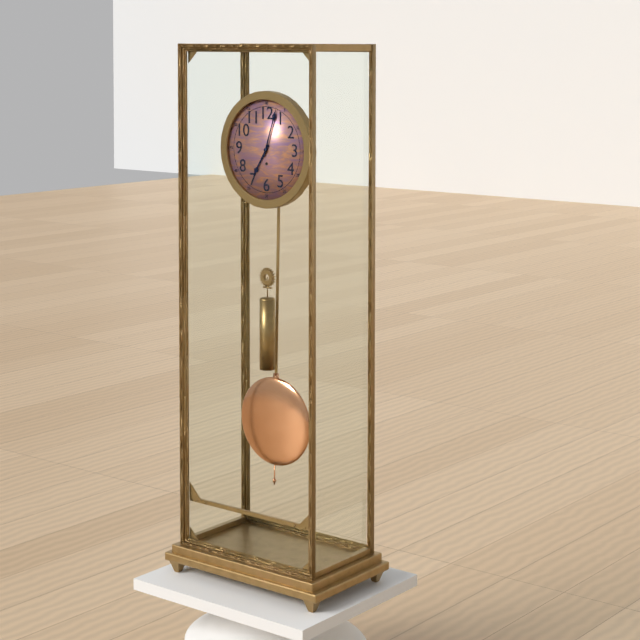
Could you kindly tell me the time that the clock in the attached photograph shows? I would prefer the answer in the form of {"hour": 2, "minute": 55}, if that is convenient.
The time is {"hour": 7, "minute": 3}
